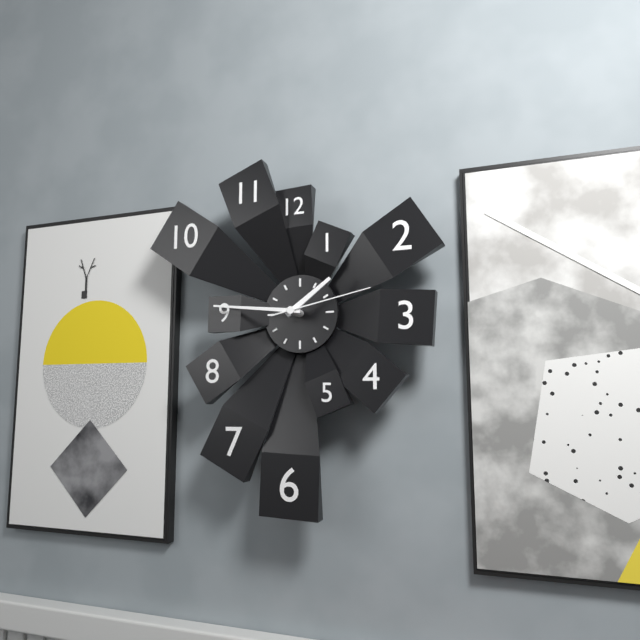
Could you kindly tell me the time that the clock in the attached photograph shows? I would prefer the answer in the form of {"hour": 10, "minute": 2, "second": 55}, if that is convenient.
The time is {"hour": 1, "minute": 46, "second": 13}
